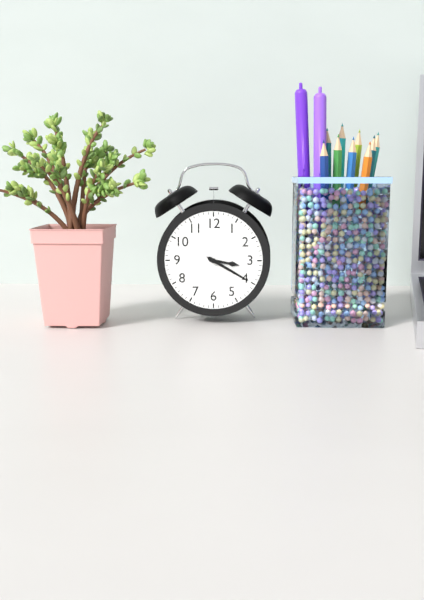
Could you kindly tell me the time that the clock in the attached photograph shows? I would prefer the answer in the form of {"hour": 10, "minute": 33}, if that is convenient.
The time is {"hour": 3, "minute": 20}
